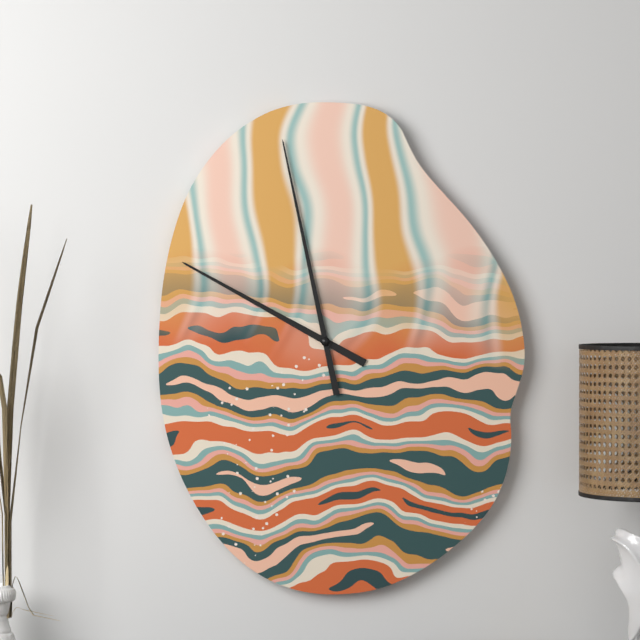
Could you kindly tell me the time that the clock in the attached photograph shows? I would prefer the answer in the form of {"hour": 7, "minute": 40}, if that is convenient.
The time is {"hour": 9, "minute": 58}
